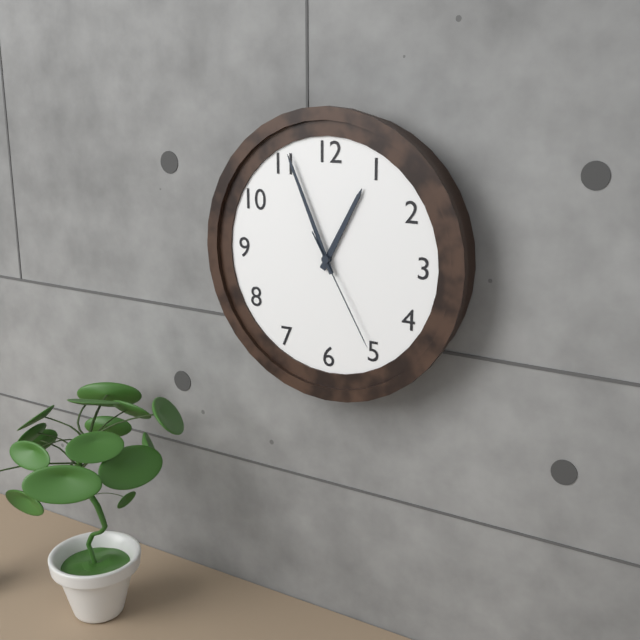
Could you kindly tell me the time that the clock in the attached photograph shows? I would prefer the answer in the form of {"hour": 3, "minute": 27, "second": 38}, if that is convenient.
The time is {"hour": 12, "minute": 56, "second": 25}
